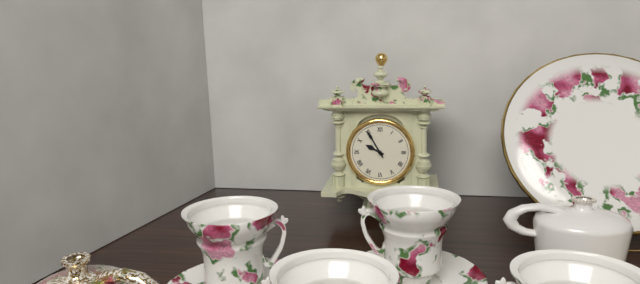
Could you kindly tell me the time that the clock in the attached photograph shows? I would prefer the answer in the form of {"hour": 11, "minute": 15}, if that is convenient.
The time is {"hour": 9, "minute": 55}
